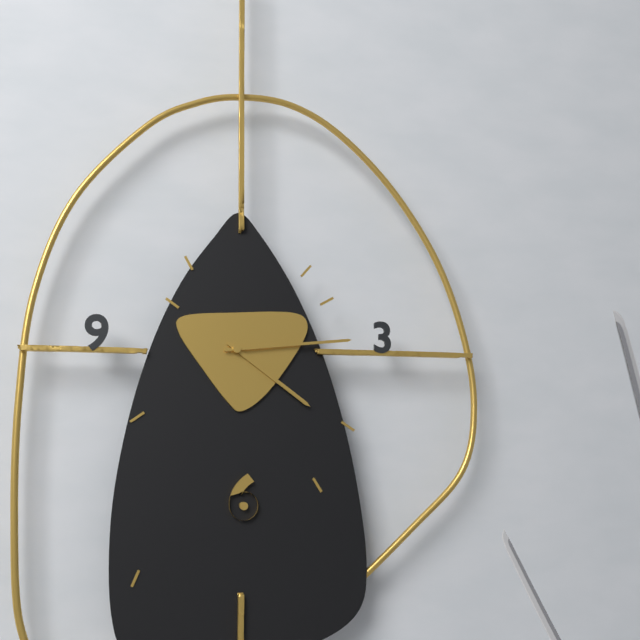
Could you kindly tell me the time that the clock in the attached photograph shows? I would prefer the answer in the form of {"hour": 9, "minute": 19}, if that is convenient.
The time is {"hour": 4, "minute": 14}
